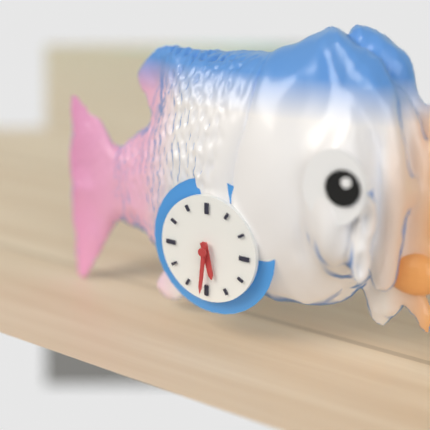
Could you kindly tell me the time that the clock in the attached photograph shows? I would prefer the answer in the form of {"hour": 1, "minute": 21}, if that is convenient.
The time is {"hour": 5, "minute": 31}
